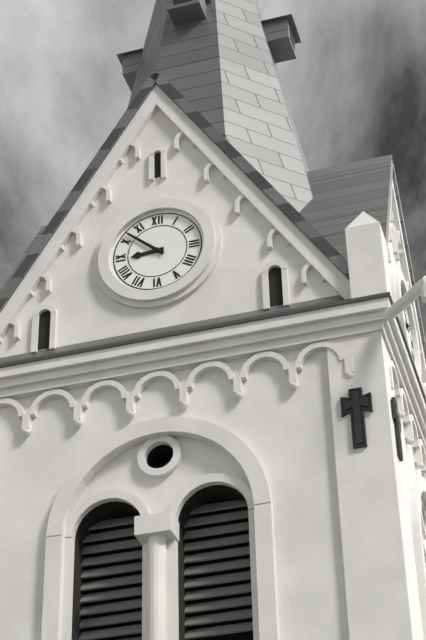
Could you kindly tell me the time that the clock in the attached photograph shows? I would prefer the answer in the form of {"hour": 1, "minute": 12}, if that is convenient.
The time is {"hour": 8, "minute": 52}
